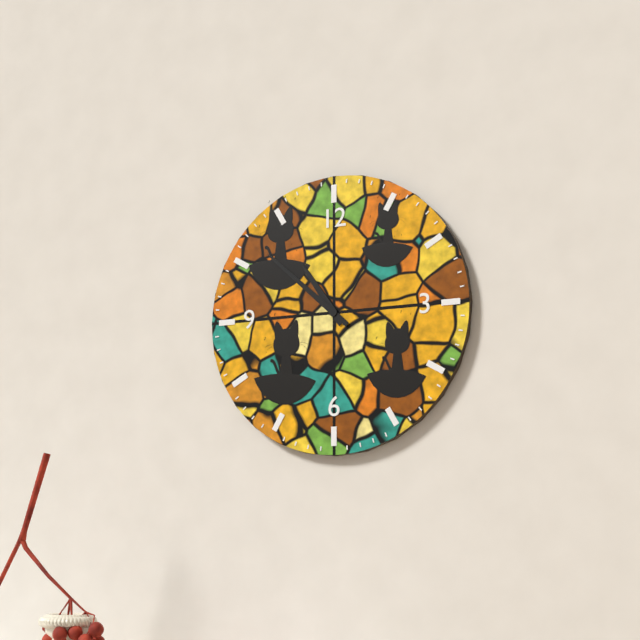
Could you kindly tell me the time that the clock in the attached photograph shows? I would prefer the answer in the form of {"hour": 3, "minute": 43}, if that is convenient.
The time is {"hour": 10, "minute": 52}
